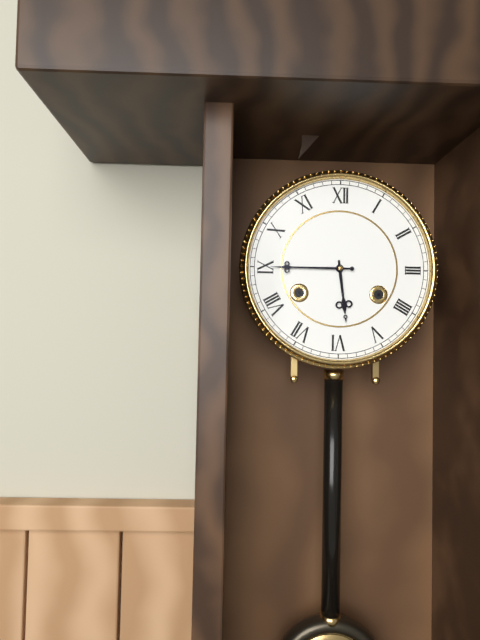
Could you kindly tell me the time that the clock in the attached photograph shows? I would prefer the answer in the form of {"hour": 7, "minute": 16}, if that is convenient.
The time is {"hour": 5, "minute": 45}
